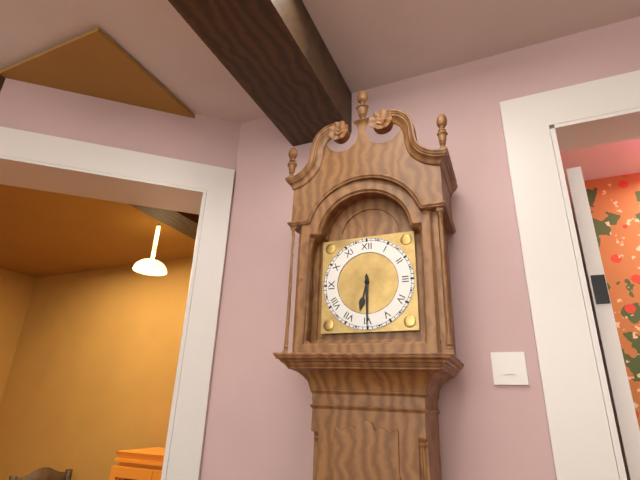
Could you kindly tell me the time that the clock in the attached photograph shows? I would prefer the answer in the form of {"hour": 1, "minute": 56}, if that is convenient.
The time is {"hour": 6, "minute": 30}
